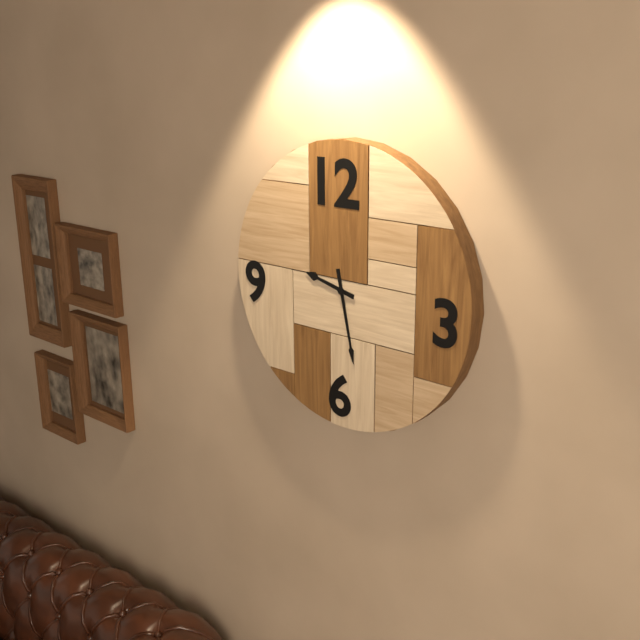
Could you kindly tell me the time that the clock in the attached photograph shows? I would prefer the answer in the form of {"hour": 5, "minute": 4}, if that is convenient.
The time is {"hour": 9, "minute": 28}
